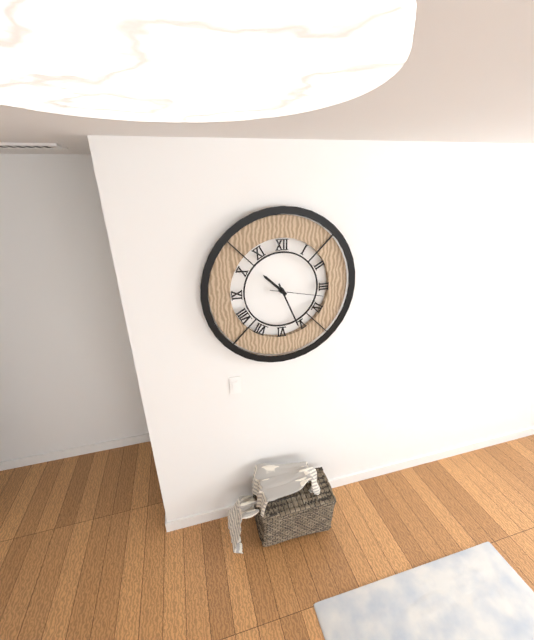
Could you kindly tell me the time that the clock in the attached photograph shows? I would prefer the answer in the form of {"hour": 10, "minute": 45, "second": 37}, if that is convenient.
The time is {"hour": 10, "minute": 26, "second": 17}
